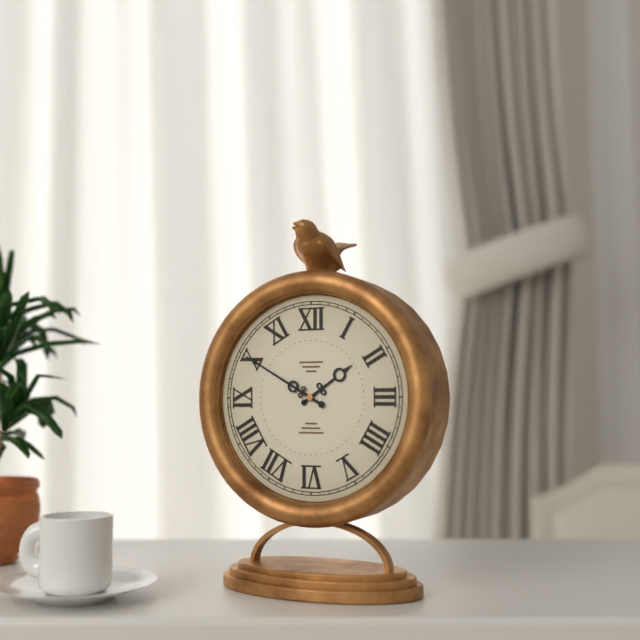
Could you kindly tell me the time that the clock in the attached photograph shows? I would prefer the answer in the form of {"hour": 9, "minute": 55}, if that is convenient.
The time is {"hour": 1, "minute": 50}
